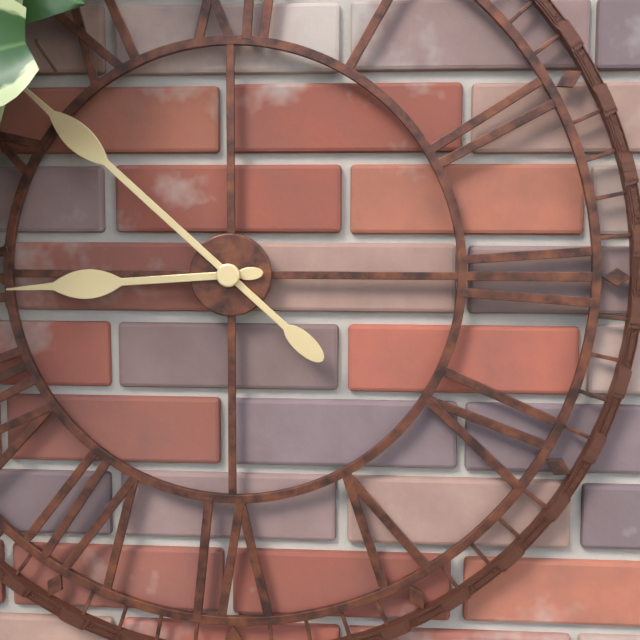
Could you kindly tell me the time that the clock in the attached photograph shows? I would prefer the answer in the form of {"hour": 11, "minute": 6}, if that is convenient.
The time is {"hour": 8, "minute": 52}
